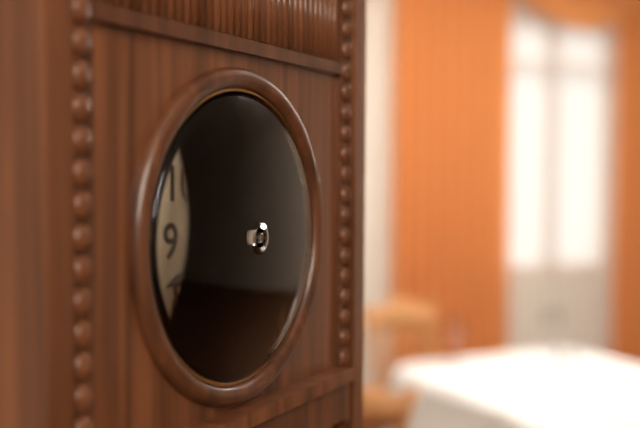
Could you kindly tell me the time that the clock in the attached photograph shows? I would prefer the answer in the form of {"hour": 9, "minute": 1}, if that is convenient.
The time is {"hour": 1, "minute": 42}
